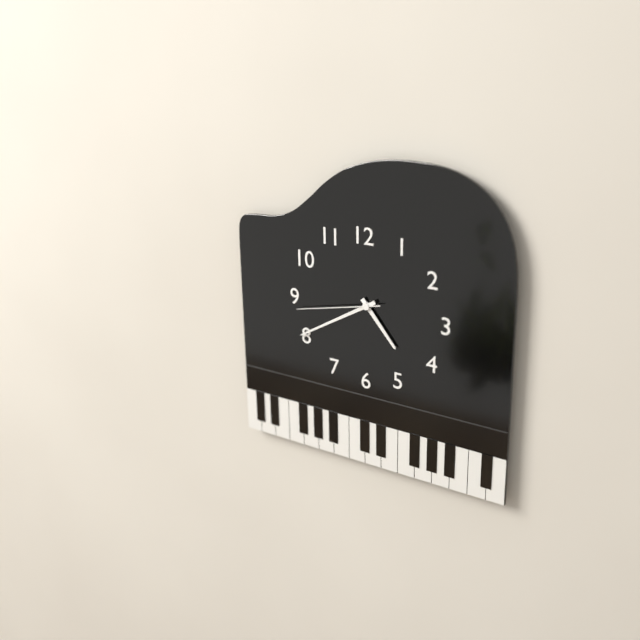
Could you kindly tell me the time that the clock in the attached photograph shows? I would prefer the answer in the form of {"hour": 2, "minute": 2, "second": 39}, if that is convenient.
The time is {"hour": 4, "minute": 40, "second": 43}
